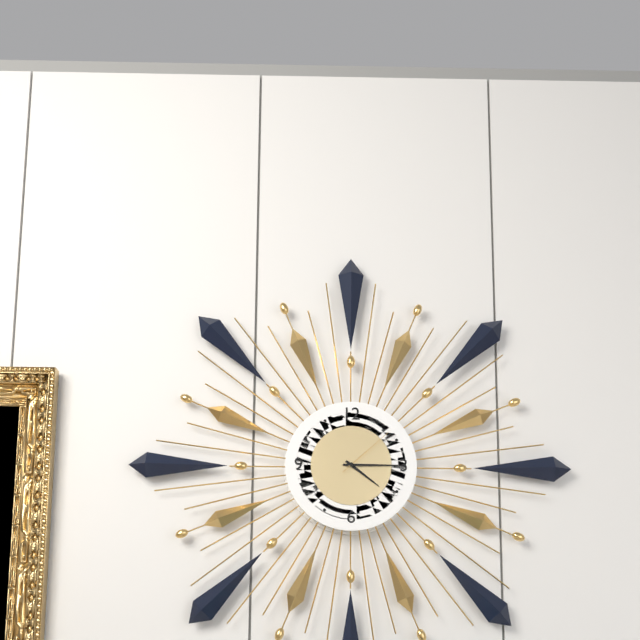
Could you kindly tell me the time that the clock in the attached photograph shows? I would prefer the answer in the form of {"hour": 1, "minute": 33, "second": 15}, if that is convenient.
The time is {"hour": 4, "minute": 15, "second": 8}
